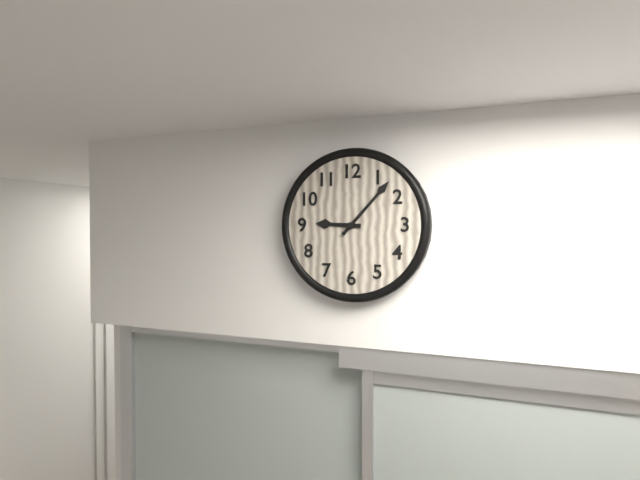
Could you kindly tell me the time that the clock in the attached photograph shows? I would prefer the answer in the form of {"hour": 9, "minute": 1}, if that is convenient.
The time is {"hour": 9, "minute": 7}
